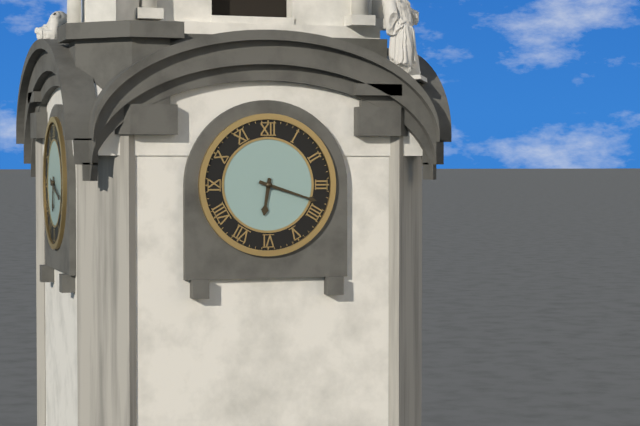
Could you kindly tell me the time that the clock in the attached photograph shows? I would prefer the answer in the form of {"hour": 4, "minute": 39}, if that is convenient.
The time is {"hour": 6, "minute": 18}
